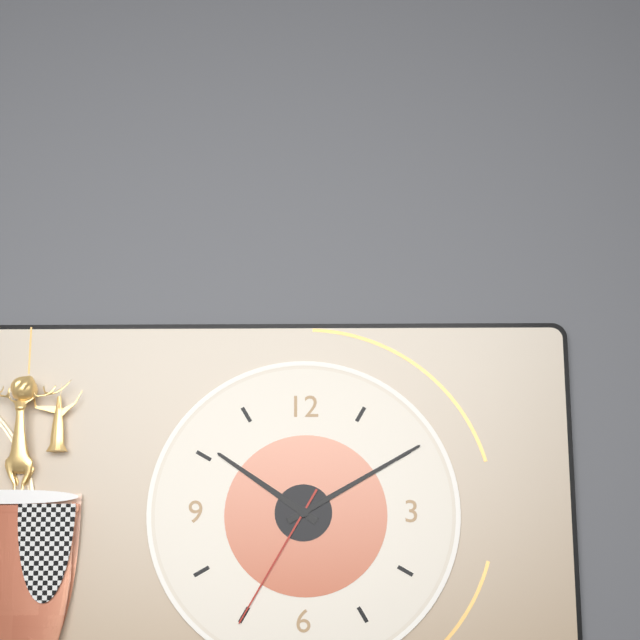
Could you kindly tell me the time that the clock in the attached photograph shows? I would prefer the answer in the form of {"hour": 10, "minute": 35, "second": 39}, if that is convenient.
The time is {"hour": 10, "minute": 10, "second": 35}
